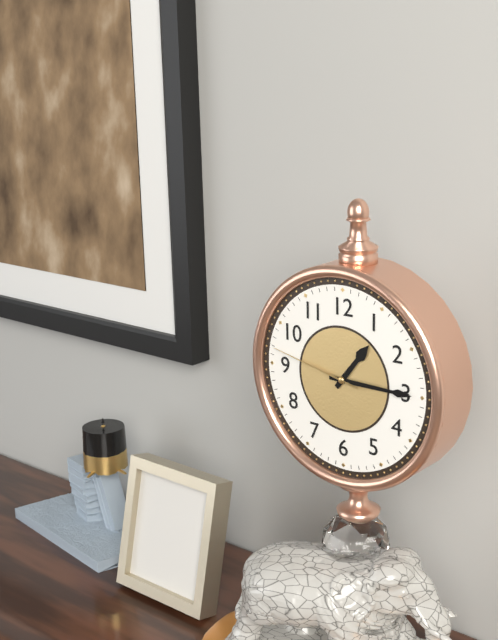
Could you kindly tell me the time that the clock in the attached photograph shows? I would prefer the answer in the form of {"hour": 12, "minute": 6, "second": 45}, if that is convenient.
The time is {"hour": 1, "minute": 15, "second": 47}
